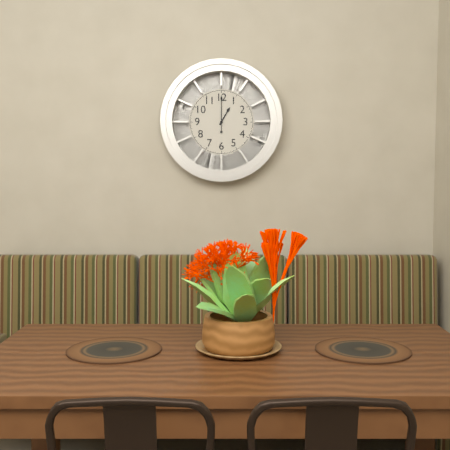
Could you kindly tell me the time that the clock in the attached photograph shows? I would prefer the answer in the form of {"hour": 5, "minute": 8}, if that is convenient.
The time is {"hour": 1, "minute": 0}
